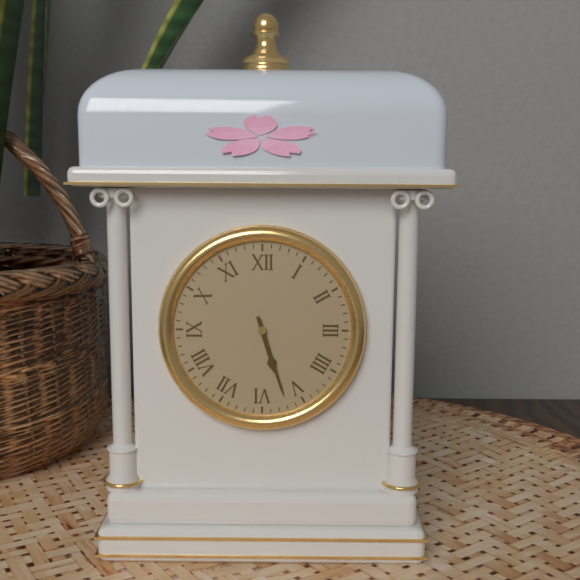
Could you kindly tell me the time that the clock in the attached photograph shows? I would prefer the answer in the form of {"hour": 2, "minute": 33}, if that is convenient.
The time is {"hour": 5, "minute": 27}
